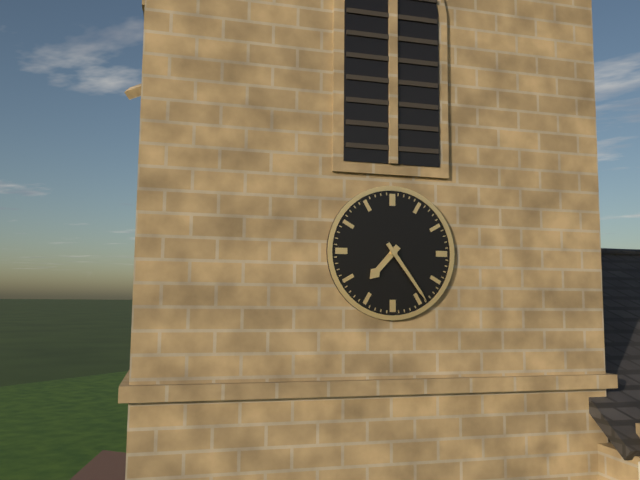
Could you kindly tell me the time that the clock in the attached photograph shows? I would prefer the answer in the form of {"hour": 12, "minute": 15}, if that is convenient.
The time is {"hour": 7, "minute": 24}
